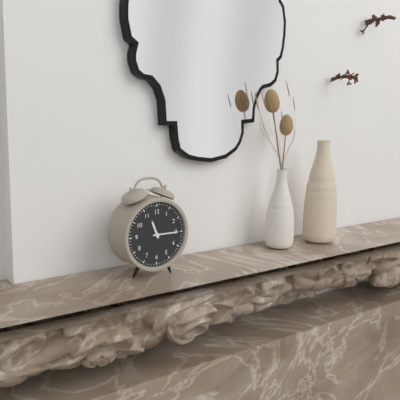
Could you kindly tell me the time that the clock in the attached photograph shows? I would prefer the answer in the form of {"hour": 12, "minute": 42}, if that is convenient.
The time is {"hour": 11, "minute": 15}
